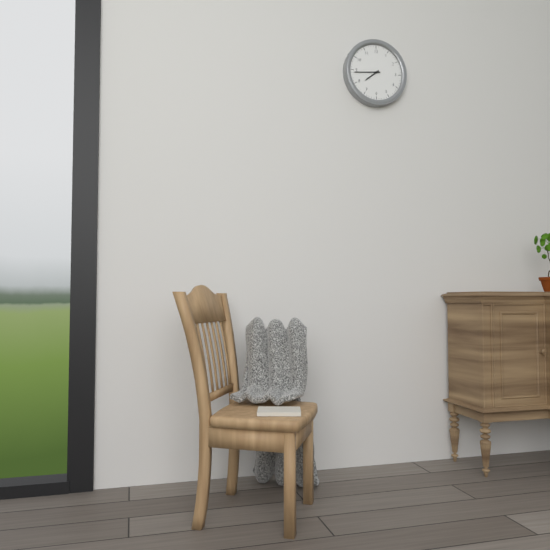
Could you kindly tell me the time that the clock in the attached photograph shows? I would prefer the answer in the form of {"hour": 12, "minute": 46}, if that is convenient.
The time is {"hour": 7, "minute": 44}
